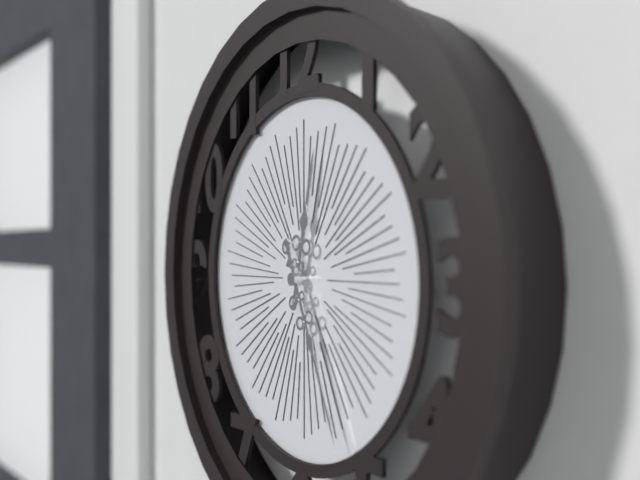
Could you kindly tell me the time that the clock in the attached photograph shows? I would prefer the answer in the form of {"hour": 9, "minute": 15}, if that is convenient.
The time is {"hour": 12, "minute": 26}
